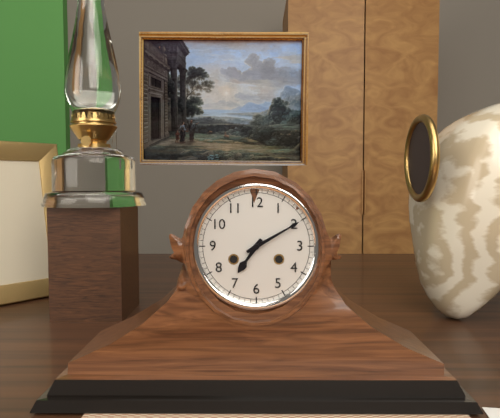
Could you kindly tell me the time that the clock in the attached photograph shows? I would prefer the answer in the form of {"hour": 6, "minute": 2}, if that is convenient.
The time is {"hour": 7, "minute": 10}
